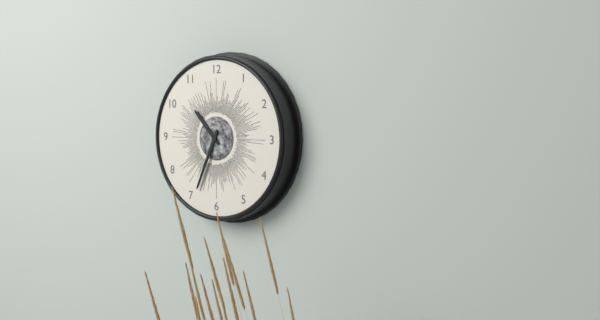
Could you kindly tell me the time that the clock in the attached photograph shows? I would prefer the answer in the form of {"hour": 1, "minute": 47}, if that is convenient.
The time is {"hour": 10, "minute": 34}
